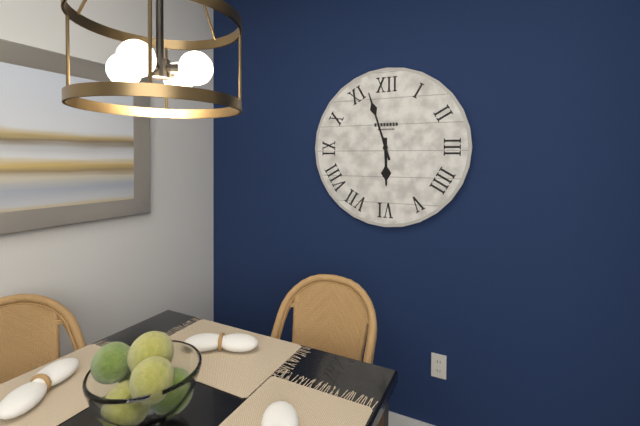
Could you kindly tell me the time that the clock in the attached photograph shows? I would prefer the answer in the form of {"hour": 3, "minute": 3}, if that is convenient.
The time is {"hour": 5, "minute": 57}
